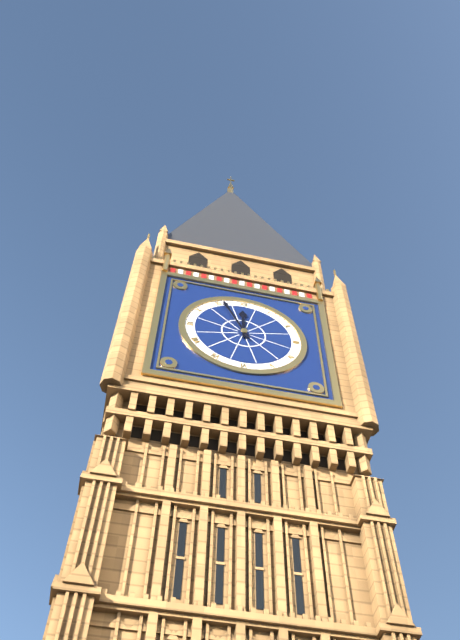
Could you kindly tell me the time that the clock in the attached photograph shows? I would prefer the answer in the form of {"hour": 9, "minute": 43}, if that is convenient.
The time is {"hour": 11, "minute": 56}
